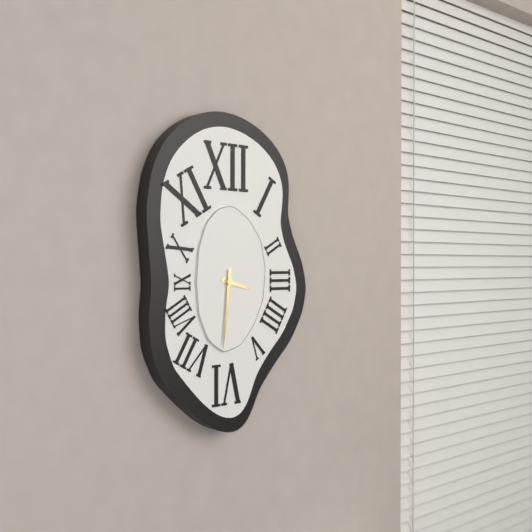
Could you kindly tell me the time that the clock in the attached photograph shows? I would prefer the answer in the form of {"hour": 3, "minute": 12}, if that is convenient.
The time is {"hour": 3, "minute": 31}
